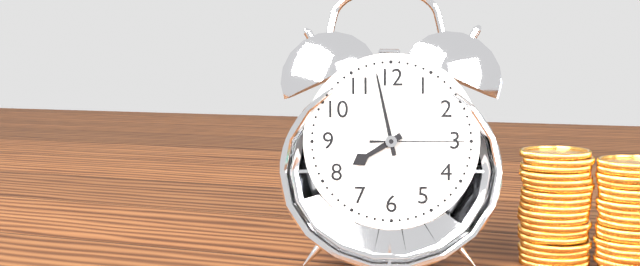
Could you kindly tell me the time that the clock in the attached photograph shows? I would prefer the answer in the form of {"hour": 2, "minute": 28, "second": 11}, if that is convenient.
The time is {"hour": 7, "minute": 58, "second": 15}
